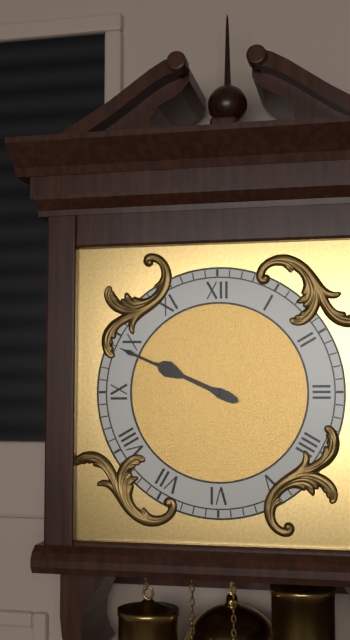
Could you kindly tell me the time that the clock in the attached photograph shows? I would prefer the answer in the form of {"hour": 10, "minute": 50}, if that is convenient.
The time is {"hour": 9, "minute": 49}
